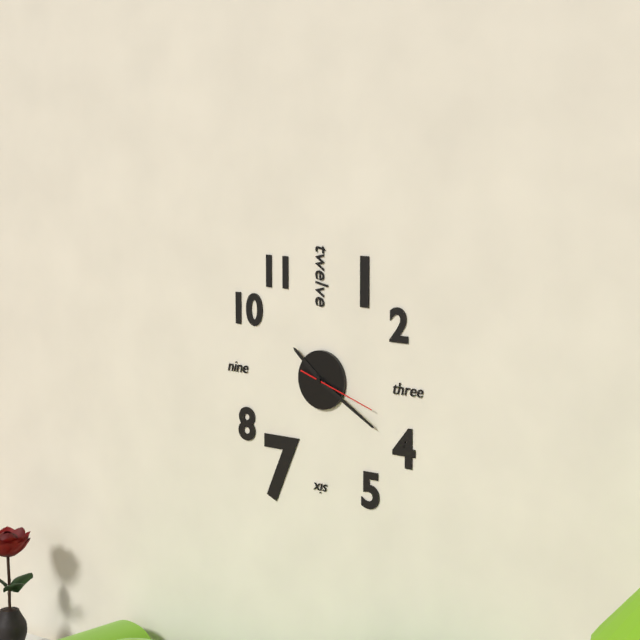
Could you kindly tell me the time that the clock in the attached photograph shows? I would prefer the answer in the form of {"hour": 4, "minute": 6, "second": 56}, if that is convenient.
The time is {"hour": 10, "minute": 20, "second": 18}
